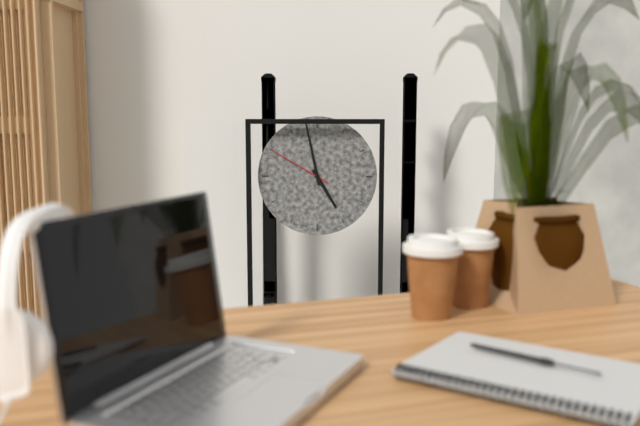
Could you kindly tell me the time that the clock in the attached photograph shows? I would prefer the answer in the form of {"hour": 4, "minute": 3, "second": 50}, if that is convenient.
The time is {"hour": 4, "minute": 58, "second": 50}
